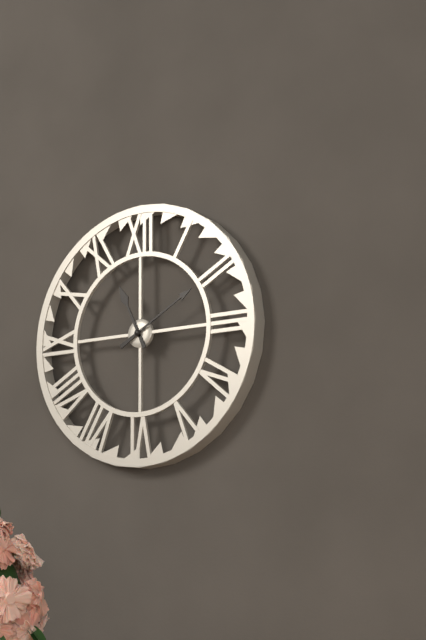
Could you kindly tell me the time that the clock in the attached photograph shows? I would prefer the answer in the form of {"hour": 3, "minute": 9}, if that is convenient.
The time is {"hour": 11, "minute": 10}
